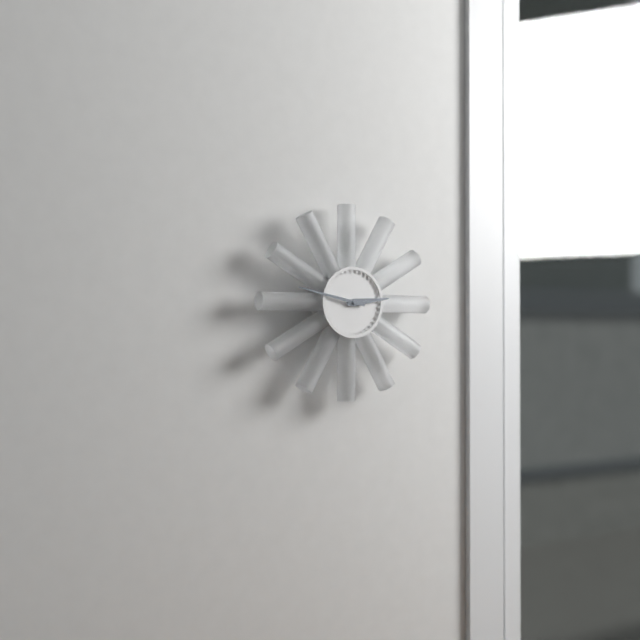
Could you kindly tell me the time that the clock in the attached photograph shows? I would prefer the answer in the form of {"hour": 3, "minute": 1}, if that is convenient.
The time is {"hour": 2, "minute": 47}
